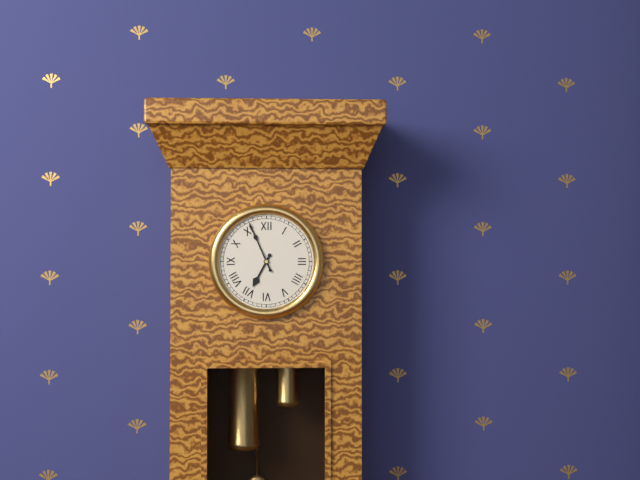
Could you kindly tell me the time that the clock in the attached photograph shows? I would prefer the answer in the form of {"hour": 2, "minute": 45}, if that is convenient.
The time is {"hour": 6, "minute": 56}
